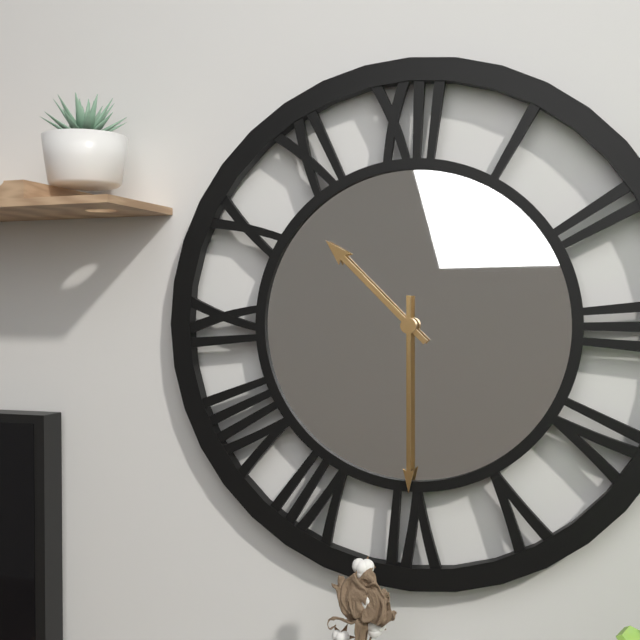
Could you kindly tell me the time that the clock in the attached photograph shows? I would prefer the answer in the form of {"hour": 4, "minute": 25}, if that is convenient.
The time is {"hour": 10, "minute": 30}
